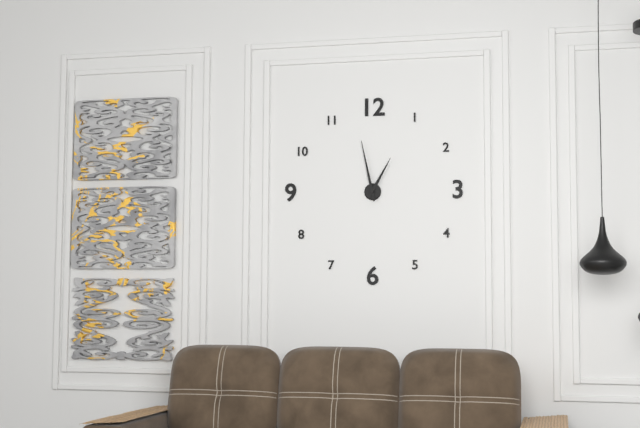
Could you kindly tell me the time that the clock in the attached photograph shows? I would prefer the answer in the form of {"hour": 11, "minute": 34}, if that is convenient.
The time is {"hour": 12, "minute": 58}
